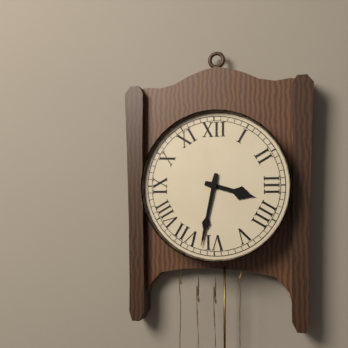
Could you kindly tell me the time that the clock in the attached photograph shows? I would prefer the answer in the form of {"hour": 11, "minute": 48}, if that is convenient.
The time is {"hour": 3, "minute": 32}
